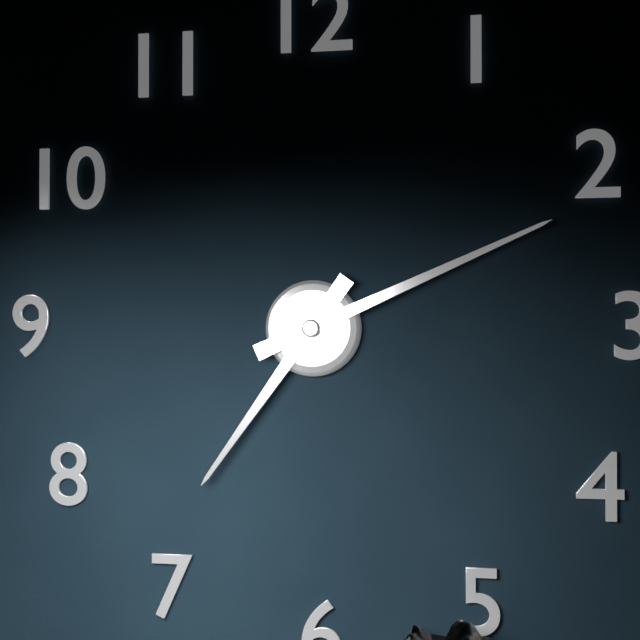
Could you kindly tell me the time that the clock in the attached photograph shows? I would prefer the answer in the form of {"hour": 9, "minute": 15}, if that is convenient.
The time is {"hour": 7, "minute": 11}
